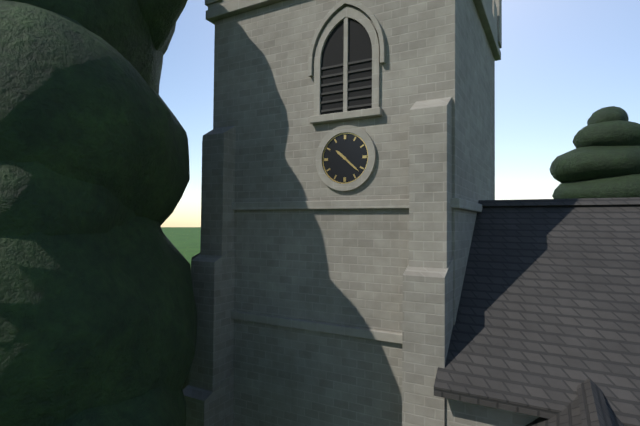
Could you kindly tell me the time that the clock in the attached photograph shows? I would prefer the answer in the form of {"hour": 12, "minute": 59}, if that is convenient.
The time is {"hour": 10, "minute": 22}
